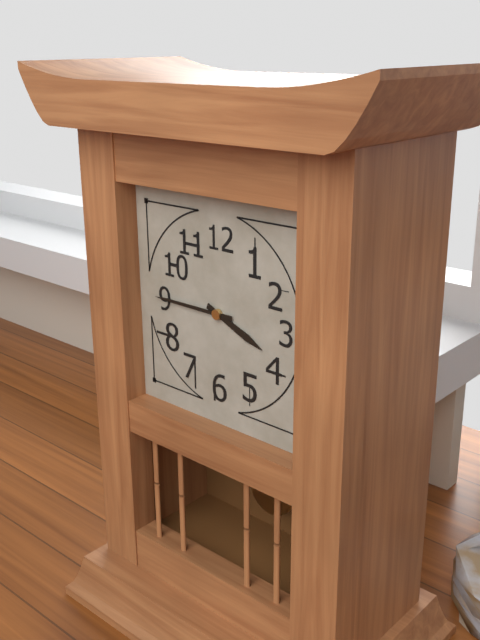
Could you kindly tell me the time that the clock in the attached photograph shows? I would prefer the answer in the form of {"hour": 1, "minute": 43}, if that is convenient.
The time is {"hour": 3, "minute": 45}
